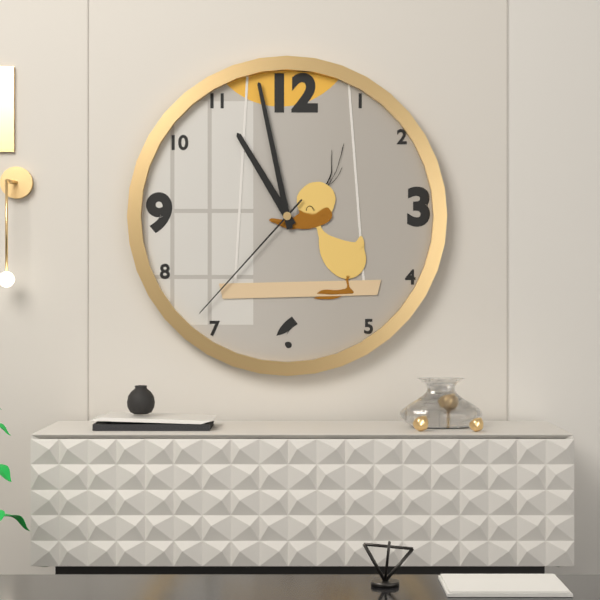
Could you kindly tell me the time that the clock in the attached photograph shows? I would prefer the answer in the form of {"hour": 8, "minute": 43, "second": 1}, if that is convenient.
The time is {"hour": 10, "minute": 58, "second": 37}
